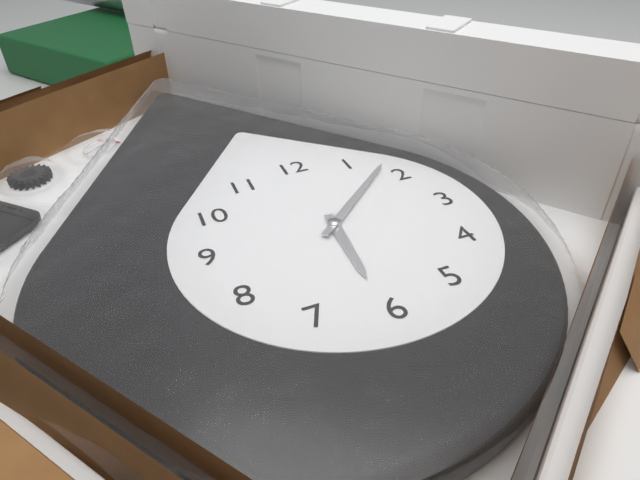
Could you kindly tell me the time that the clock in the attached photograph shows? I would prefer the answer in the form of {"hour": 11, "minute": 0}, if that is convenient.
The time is {"hour": 6, "minute": 8}
